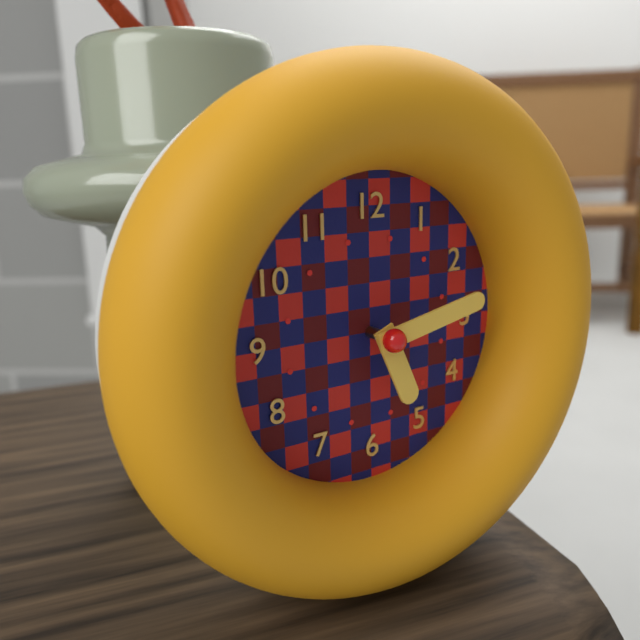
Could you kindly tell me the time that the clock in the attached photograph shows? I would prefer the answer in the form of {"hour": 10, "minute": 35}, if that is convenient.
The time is {"hour": 5, "minute": 13}
